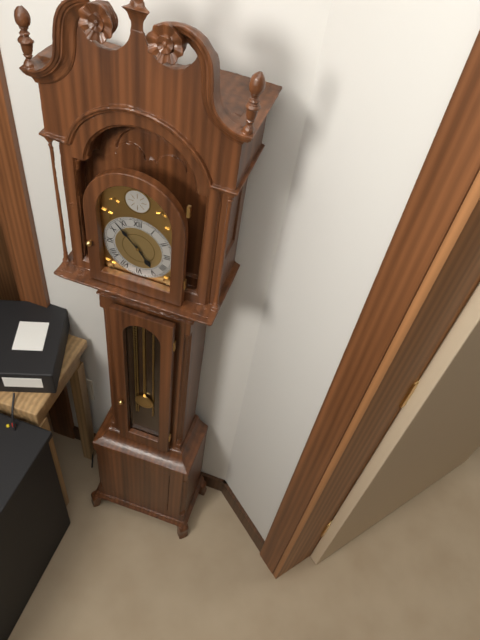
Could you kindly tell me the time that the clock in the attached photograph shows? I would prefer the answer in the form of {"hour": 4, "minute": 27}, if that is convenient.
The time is {"hour": 4, "minute": 53}
